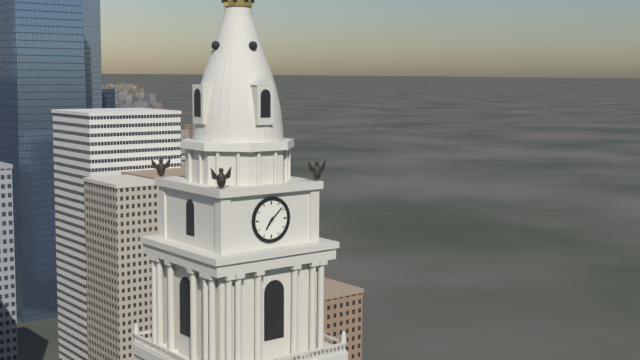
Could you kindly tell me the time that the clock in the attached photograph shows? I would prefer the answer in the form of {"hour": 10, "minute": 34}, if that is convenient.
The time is {"hour": 7, "minute": 8}
